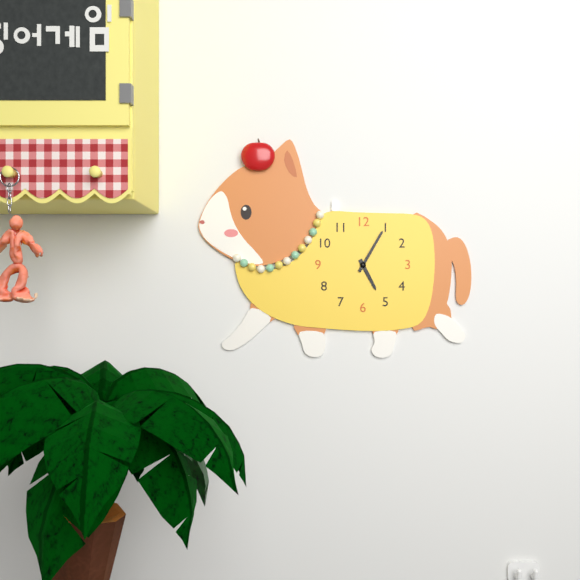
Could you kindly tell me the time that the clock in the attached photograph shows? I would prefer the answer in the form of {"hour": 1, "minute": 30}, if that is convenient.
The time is {"hour": 5, "minute": 5}
